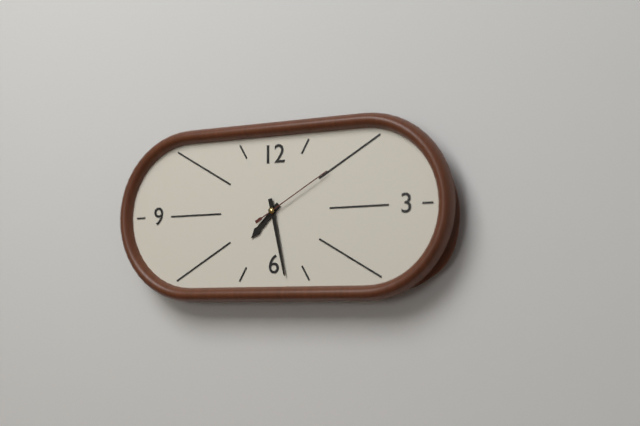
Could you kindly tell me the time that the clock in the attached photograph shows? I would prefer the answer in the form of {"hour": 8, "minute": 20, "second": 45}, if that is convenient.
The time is {"hour": 7, "minute": 28, "second": 10}
